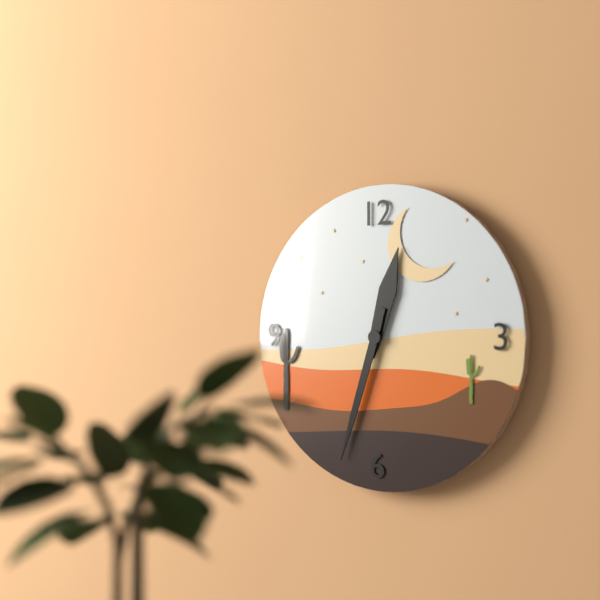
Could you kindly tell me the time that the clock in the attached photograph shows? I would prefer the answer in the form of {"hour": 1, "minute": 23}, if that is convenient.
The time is {"hour": 12, "minute": 33}
